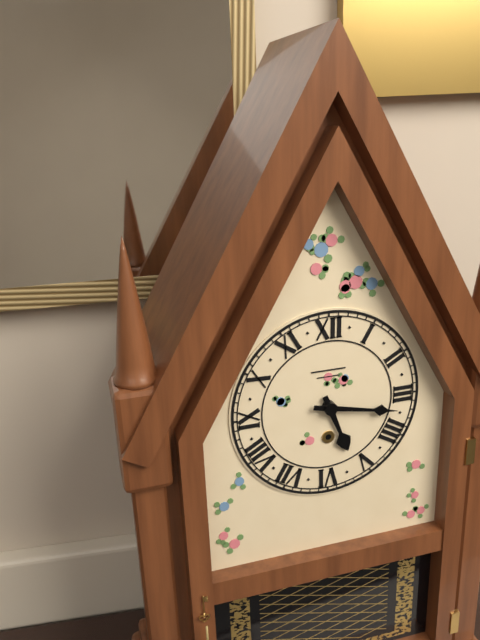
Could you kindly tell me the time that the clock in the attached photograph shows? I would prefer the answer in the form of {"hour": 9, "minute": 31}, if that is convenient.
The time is {"hour": 5, "minute": 17}
